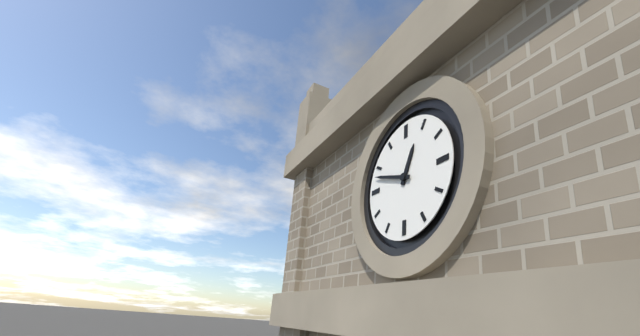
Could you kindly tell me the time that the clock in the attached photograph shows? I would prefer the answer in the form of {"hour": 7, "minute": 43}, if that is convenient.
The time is {"hour": 12, "minute": 48}
